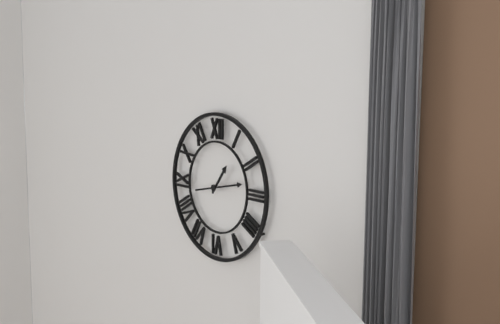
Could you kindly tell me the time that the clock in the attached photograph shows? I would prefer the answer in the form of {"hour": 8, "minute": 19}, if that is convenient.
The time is {"hour": 1, "minute": 13}
